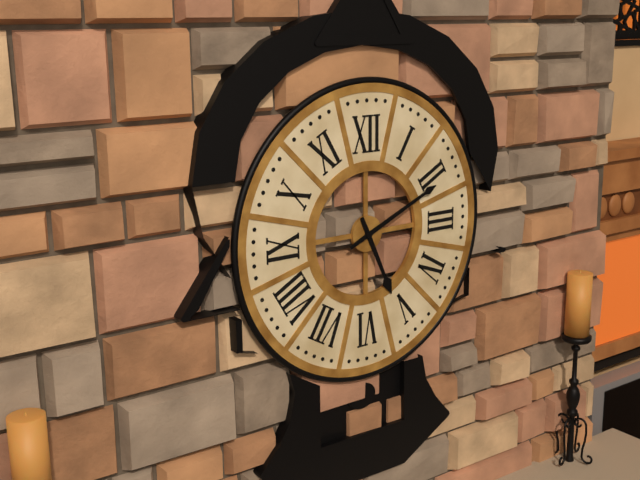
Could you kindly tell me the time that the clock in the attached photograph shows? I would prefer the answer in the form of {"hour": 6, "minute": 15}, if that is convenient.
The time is {"hour": 5, "minute": 11}
